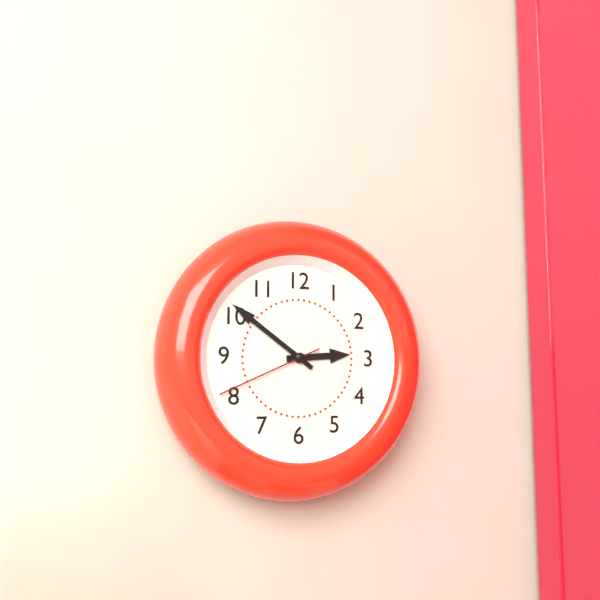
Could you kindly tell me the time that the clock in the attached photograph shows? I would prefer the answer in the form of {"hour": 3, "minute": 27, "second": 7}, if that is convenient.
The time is {"hour": 2, "minute": 51, "second": 41}
